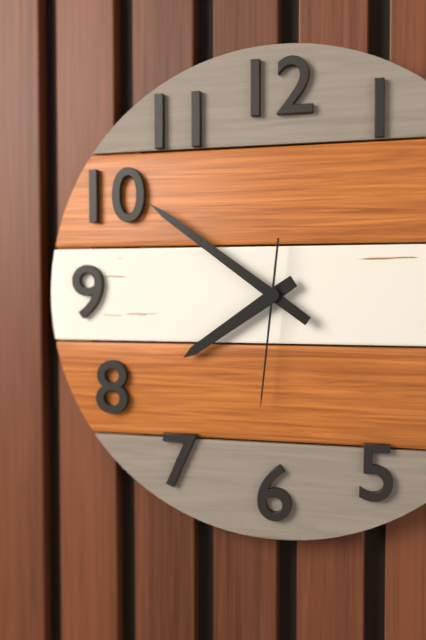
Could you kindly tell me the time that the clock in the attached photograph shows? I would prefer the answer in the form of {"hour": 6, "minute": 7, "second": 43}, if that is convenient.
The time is {"hour": 7, "minute": 51, "second": 31}
